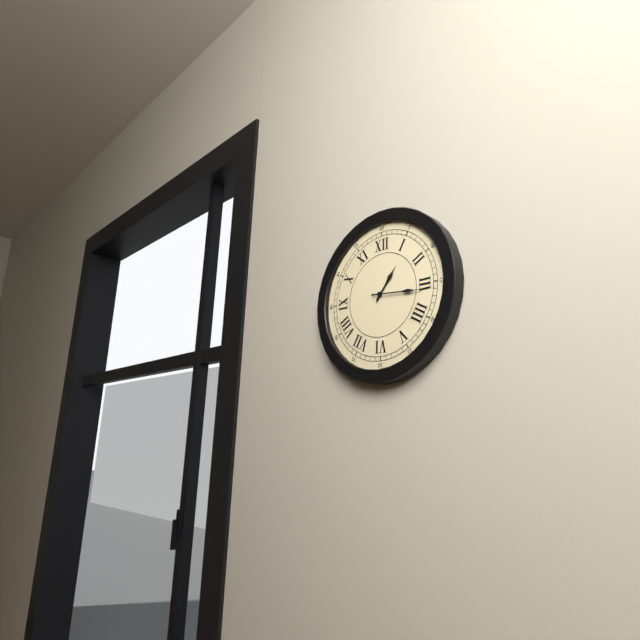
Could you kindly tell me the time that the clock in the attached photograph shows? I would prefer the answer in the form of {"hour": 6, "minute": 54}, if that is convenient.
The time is {"hour": 1, "minute": 16}
